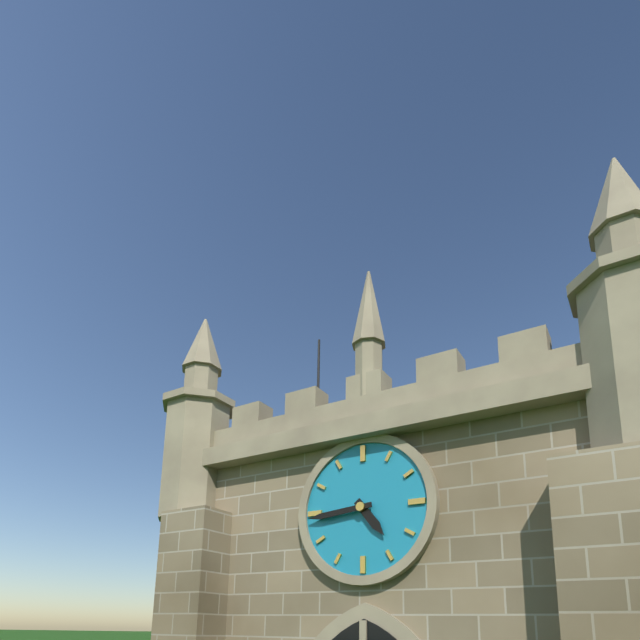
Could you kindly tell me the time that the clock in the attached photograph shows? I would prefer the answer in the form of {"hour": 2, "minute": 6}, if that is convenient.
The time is {"hour": 4, "minute": 44}
